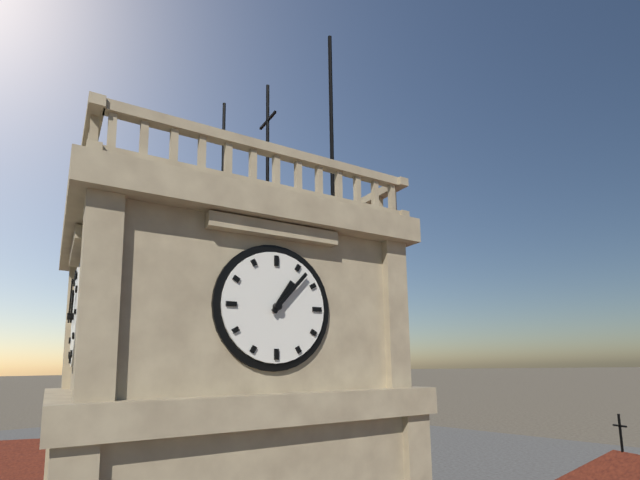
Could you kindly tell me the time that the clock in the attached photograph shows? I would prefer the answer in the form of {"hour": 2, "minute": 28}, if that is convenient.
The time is {"hour": 1, "minute": 7}
